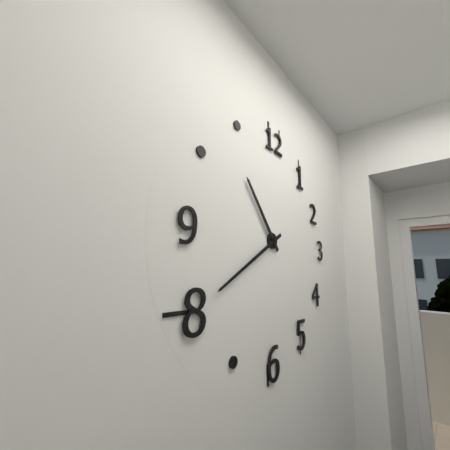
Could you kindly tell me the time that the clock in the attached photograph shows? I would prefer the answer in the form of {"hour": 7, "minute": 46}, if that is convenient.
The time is {"hour": 10, "minute": 40}
